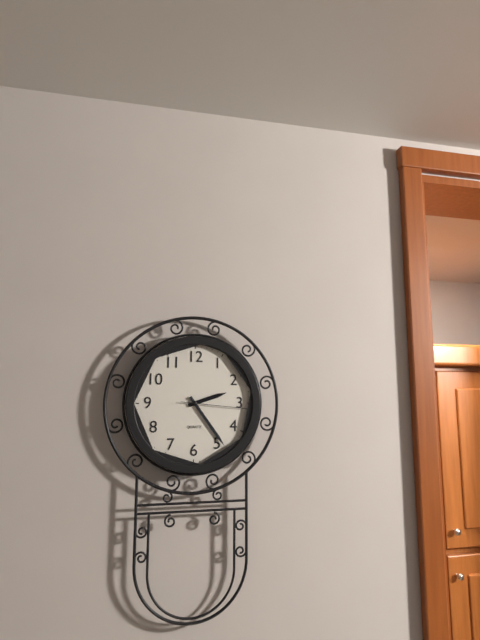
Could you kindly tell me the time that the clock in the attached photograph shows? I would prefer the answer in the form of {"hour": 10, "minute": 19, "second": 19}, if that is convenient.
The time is {"hour": 2, "minute": 24, "second": 16}
